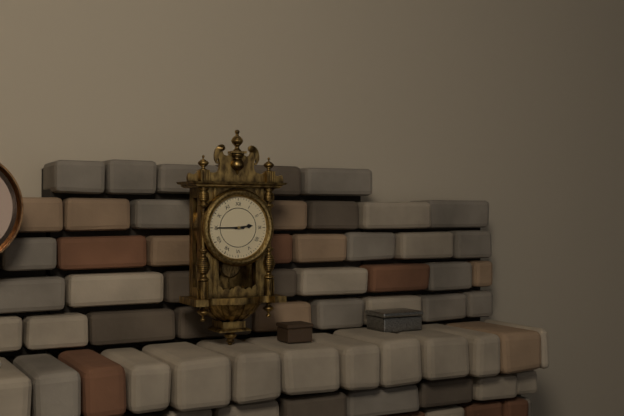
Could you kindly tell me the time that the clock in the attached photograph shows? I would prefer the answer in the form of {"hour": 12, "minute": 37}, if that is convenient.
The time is {"hour": 2, "minute": 45}
